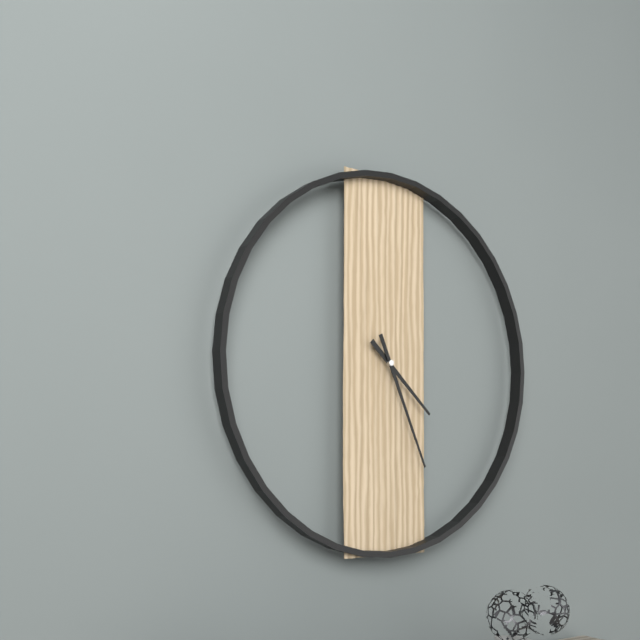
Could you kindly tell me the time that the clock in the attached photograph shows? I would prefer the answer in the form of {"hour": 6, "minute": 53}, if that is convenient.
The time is {"hour": 4, "minute": 26}
